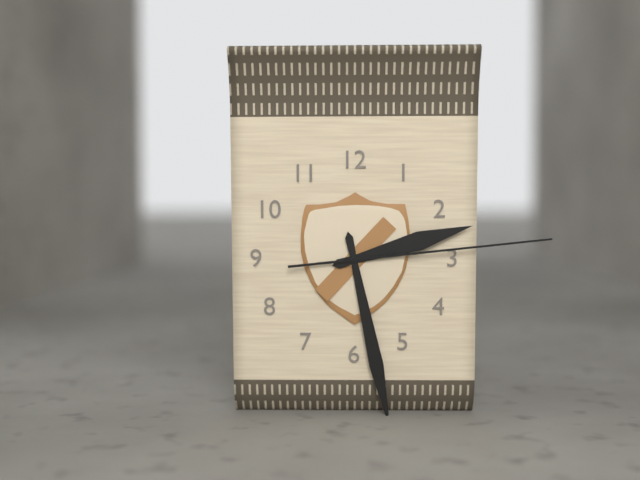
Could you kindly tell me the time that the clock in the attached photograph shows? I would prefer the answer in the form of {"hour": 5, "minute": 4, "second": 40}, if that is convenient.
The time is {"hour": 2, "minute": 28, "second": 14}
